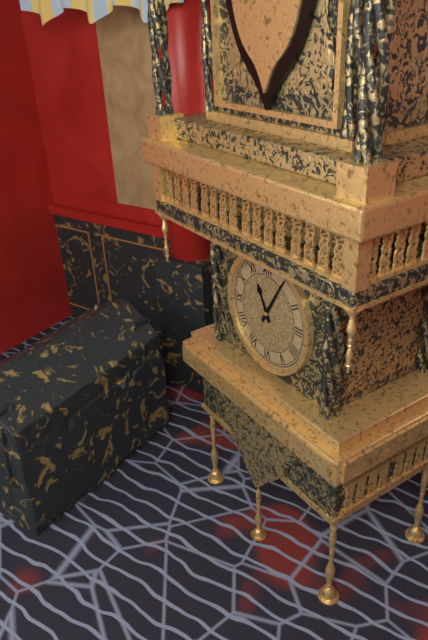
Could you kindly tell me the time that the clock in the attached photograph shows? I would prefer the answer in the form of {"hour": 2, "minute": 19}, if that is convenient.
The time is {"hour": 11, "minute": 5}
